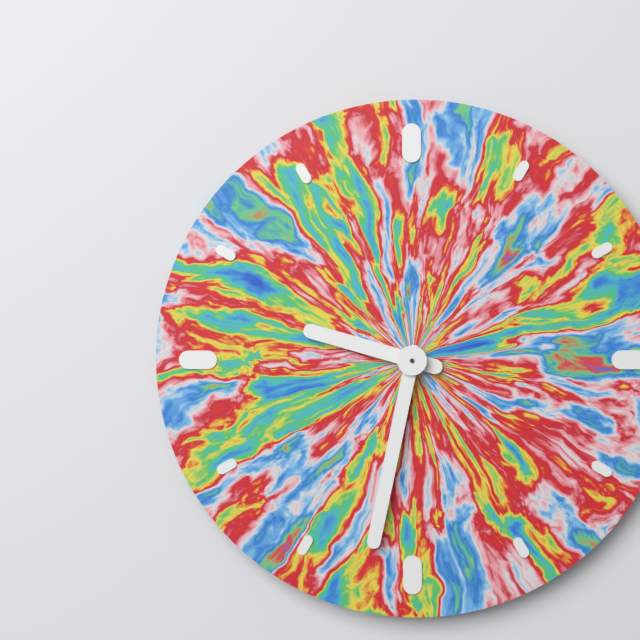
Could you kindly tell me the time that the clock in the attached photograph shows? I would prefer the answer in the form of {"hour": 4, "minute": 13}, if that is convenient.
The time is {"hour": 9, "minute": 32}
